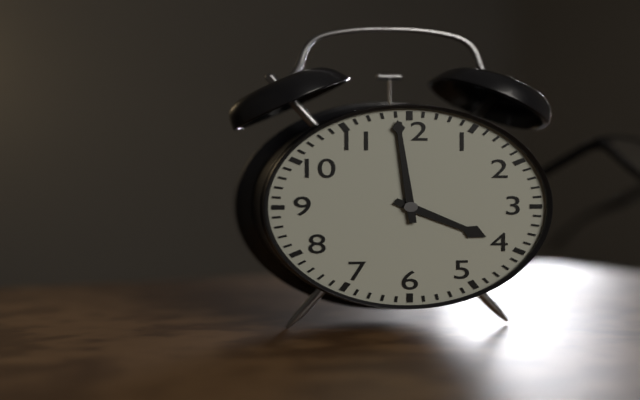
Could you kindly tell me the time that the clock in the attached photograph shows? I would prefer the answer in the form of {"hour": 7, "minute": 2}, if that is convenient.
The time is {"hour": 3, "minute": 59}
